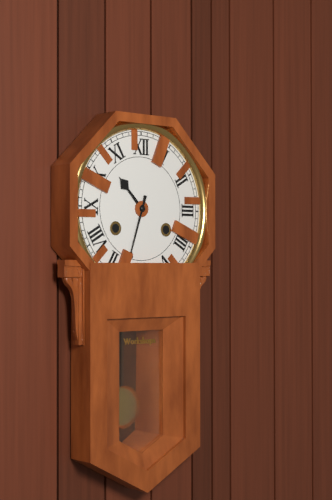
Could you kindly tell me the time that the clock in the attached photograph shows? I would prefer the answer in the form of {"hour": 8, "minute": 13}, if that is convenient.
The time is {"hour": 10, "minute": 33}
